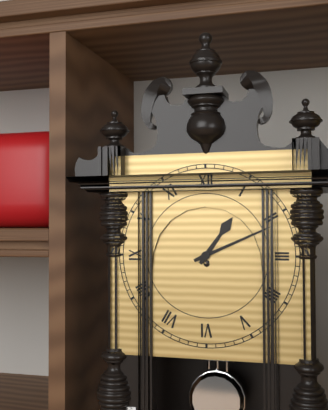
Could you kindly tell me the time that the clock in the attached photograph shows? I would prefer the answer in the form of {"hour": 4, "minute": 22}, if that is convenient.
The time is {"hour": 1, "minute": 11}
